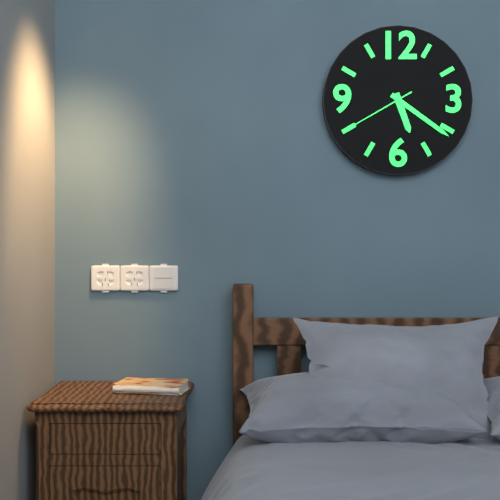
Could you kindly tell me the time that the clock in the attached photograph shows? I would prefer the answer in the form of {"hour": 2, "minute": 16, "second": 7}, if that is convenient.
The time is {"hour": 5, "minute": 21, "second": 40}
